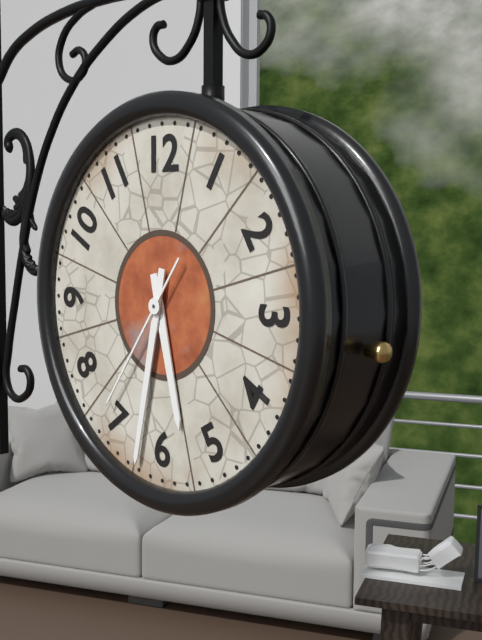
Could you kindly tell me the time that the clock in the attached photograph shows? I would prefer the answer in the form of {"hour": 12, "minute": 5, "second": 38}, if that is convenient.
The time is {"hour": 5, "minute": 32, "second": 36}
